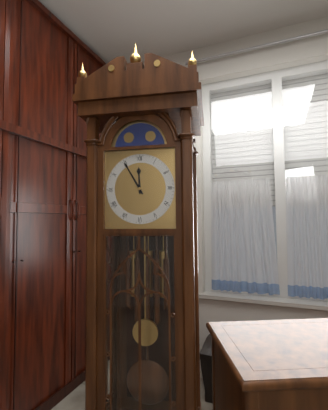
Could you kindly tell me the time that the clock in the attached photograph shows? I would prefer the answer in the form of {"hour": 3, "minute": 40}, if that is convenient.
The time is {"hour": 11, "minute": 55}
